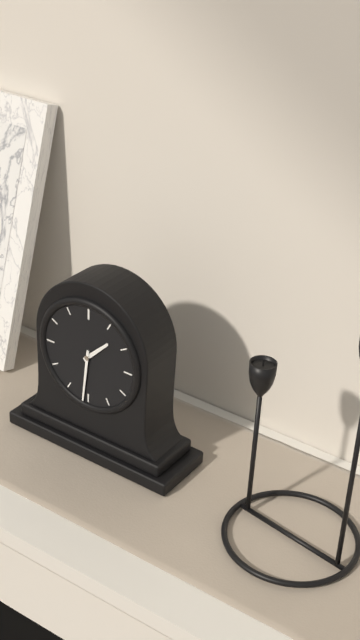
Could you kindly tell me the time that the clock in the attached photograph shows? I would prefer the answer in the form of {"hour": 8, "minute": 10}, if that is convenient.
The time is {"hour": 1, "minute": 31}
